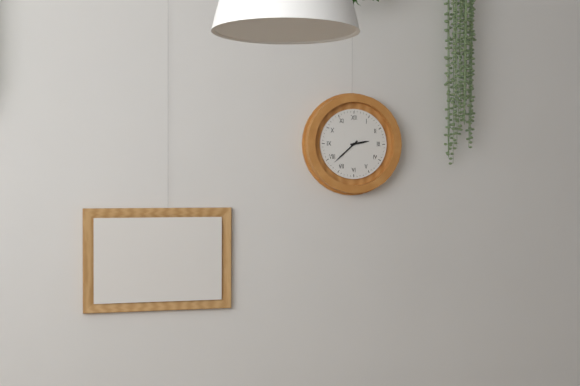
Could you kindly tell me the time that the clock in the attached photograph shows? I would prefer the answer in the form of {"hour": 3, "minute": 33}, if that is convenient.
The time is {"hour": 2, "minute": 38}
